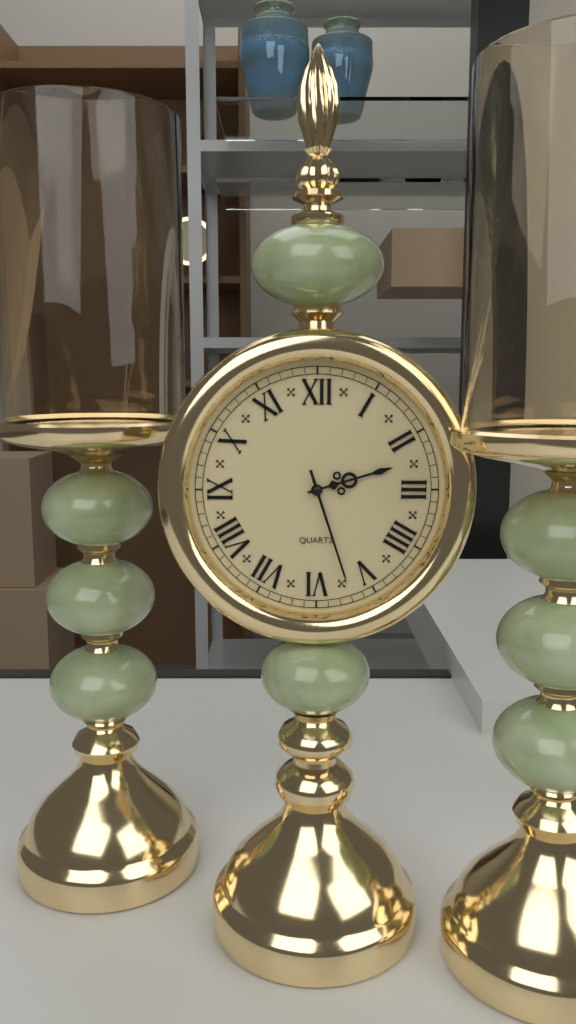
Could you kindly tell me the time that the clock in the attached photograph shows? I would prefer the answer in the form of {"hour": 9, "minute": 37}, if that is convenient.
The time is {"hour": 2, "minute": 27}
